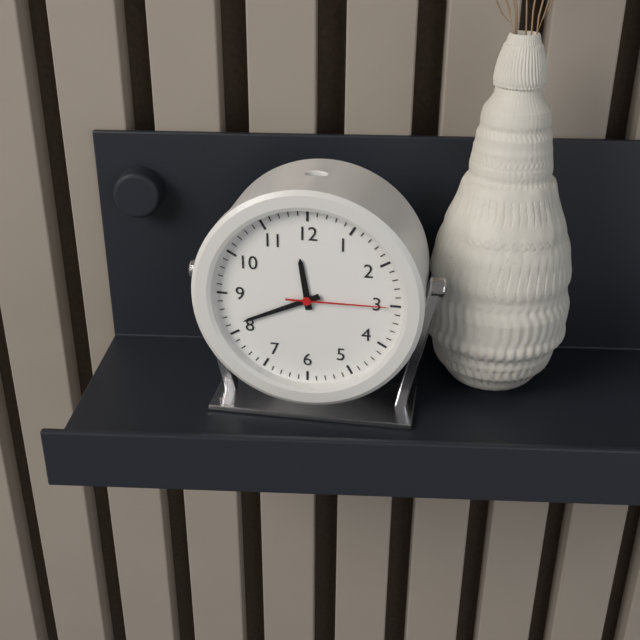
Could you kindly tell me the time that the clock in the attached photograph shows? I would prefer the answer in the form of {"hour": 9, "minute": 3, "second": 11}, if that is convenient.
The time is {"hour": 11, "minute": 41, "second": 15}
